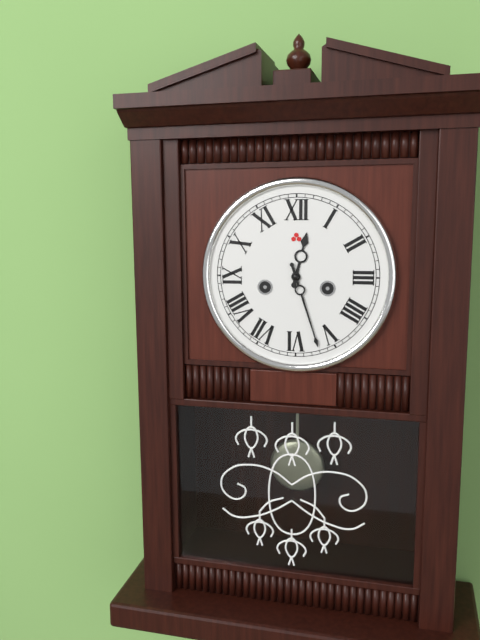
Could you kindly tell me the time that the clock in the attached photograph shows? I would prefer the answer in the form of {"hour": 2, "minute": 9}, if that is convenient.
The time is {"hour": 12, "minute": 27}
